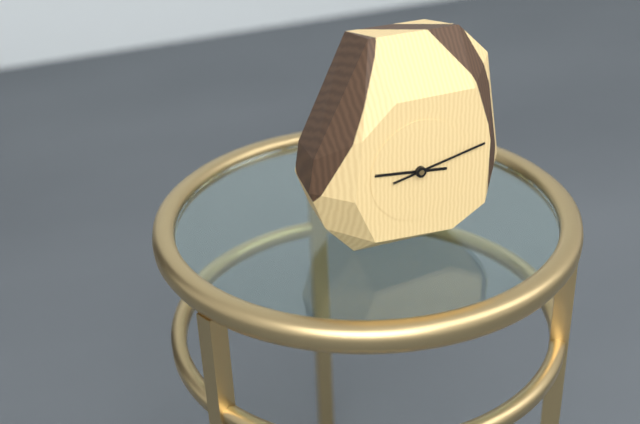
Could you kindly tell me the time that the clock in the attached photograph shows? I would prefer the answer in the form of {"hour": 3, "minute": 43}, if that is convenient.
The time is {"hour": 9, "minute": 13}
